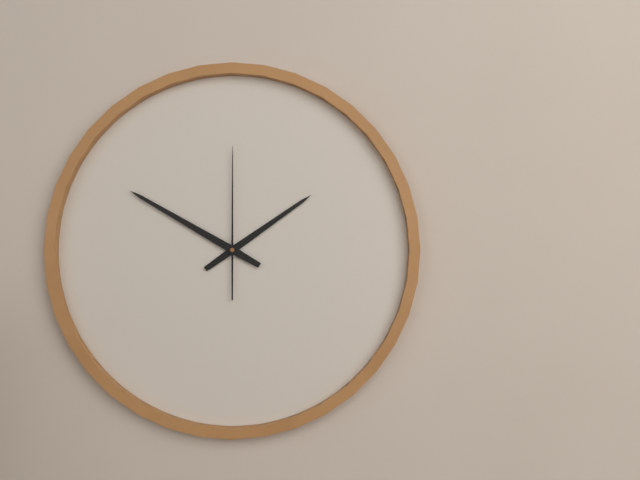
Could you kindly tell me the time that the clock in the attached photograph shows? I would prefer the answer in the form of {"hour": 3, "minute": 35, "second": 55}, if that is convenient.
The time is {"hour": 1, "minute": 50, "second": 0}
